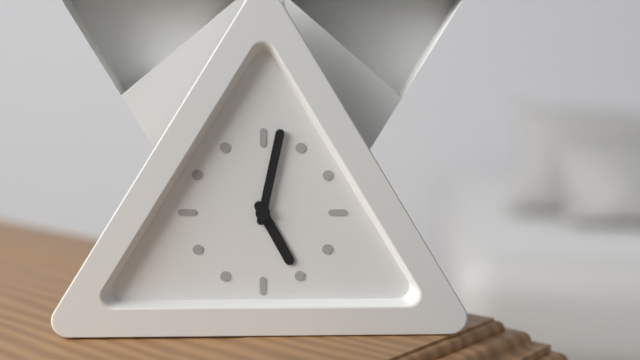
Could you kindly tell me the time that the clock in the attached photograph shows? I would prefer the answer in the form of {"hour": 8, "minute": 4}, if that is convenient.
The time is {"hour": 5, "minute": 2}
